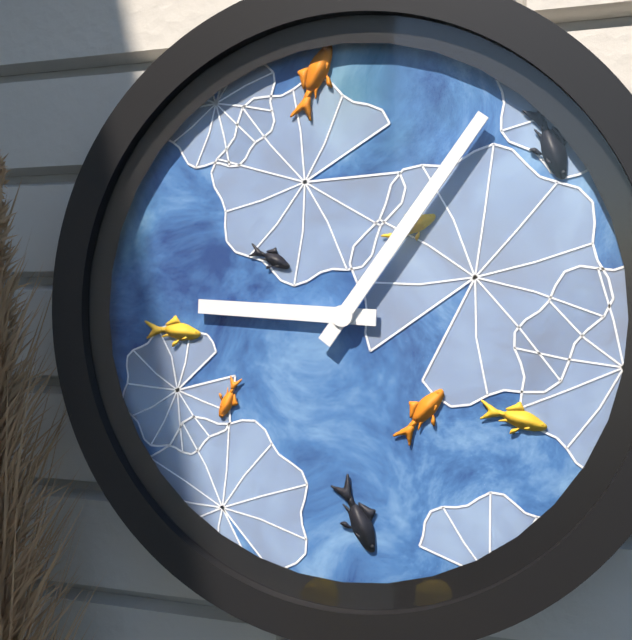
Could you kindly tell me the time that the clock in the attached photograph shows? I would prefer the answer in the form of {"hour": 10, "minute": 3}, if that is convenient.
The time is {"hour": 9, "minute": 6}
